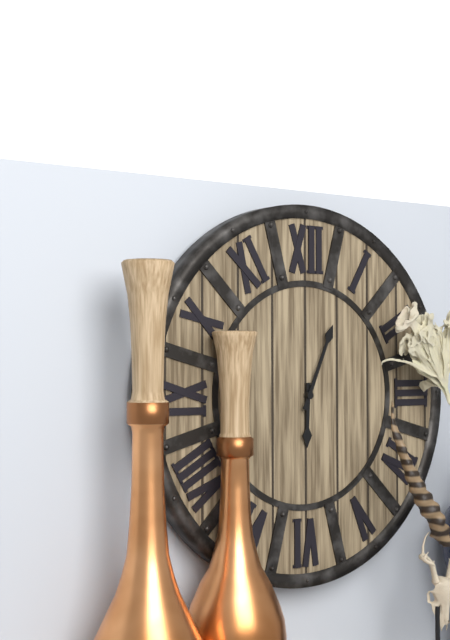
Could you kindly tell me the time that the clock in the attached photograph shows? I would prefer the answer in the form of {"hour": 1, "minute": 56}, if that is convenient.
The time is {"hour": 6, "minute": 4}
